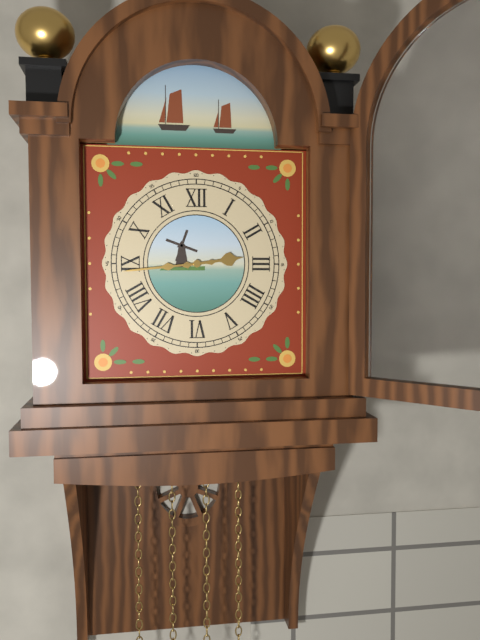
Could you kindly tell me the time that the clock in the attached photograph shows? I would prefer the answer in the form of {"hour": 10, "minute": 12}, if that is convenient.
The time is {"hour": 2, "minute": 44}
